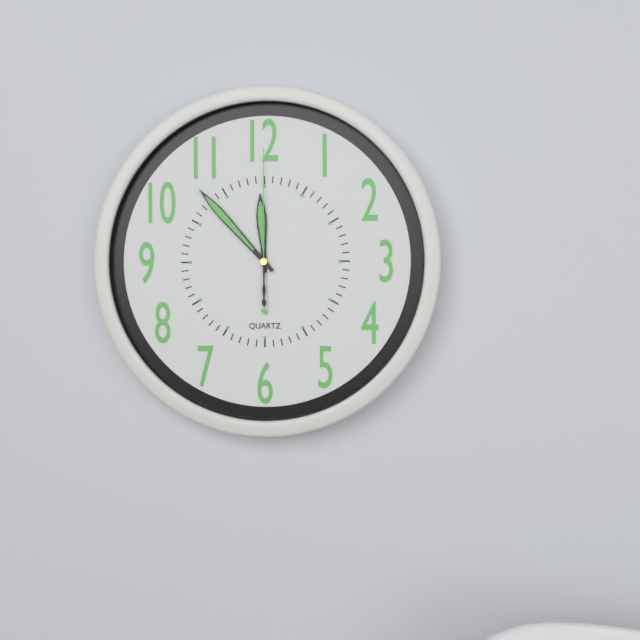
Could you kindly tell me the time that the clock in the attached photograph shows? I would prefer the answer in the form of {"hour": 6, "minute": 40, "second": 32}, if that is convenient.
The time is {"hour": 11, "minute": 53, "second": 0}
